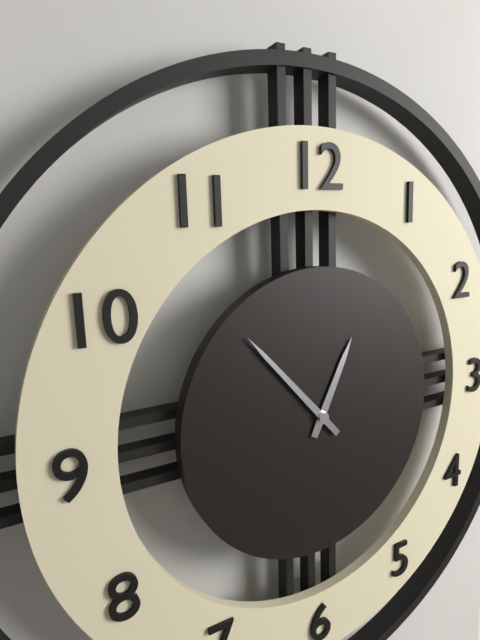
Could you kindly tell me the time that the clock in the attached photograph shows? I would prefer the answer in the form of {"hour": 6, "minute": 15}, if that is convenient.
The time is {"hour": 12, "minute": 53}
